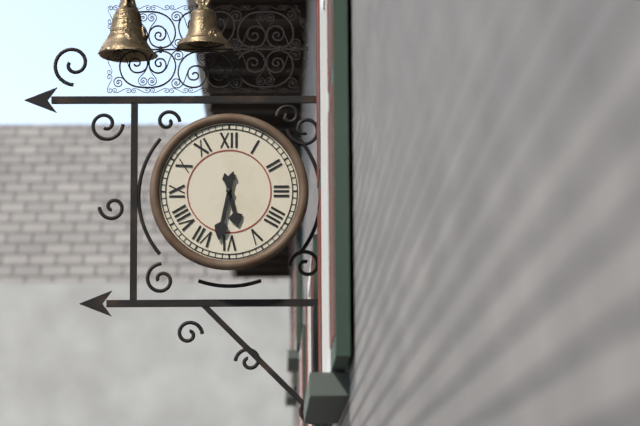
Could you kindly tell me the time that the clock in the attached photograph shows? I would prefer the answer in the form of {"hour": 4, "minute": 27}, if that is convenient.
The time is {"hour": 5, "minute": 32}
